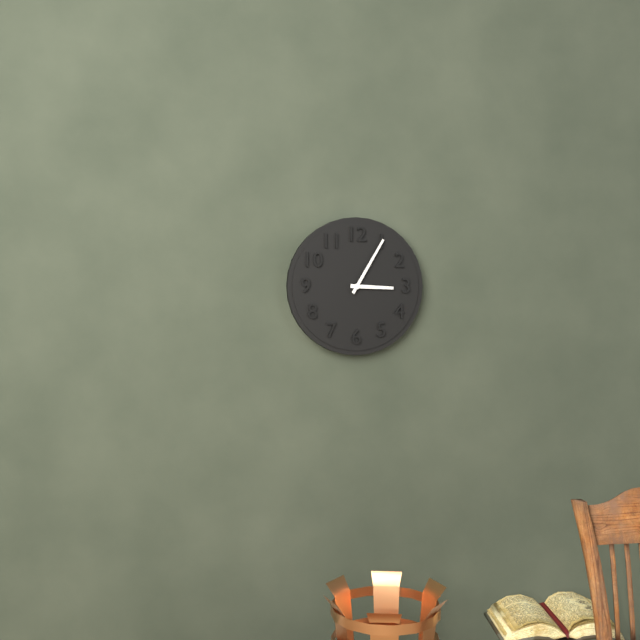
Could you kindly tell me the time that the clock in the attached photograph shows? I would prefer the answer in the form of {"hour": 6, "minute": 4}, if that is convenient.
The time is {"hour": 3, "minute": 5}
